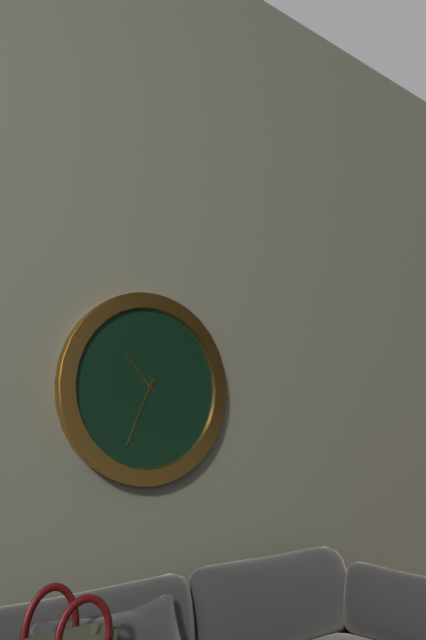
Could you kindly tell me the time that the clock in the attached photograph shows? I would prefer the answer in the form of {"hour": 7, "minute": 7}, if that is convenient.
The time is {"hour": 10, "minute": 34}
